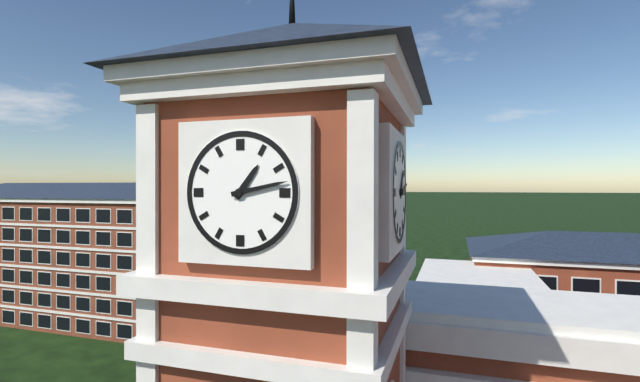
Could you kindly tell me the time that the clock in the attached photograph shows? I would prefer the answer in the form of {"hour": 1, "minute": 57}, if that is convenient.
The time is {"hour": 1, "minute": 13}
